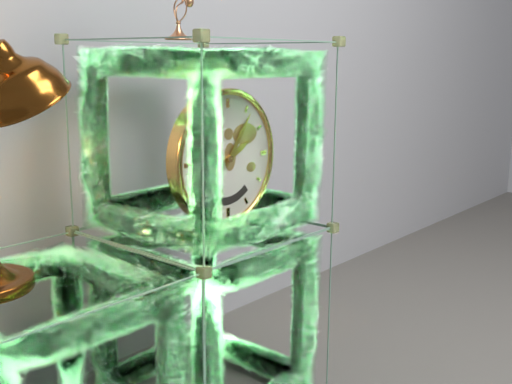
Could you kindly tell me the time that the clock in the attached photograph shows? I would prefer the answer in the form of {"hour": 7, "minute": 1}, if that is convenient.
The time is {"hour": 2, "minute": 6}
